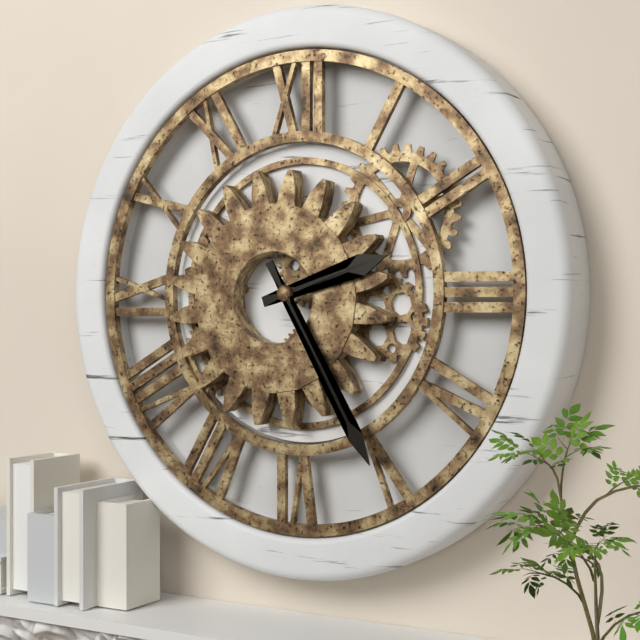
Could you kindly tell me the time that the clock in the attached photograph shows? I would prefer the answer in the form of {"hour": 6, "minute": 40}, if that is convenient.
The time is {"hour": 2, "minute": 25}
